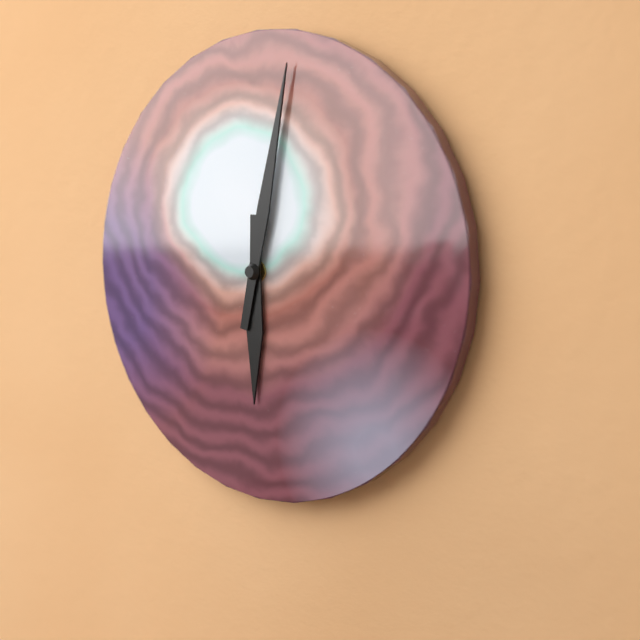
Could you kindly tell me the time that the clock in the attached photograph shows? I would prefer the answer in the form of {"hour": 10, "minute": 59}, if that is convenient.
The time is {"hour": 6, "minute": 2}
